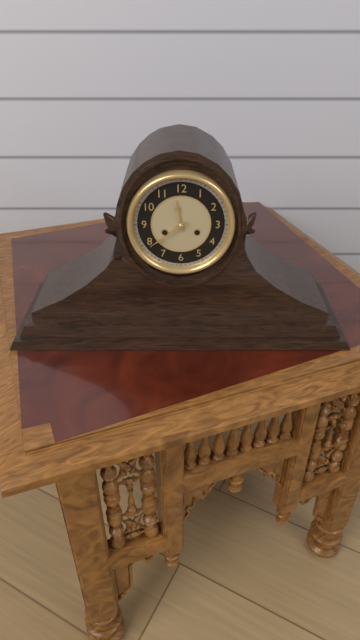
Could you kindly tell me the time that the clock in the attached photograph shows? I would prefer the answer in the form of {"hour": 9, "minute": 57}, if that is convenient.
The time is {"hour": 11, "minute": 39}
